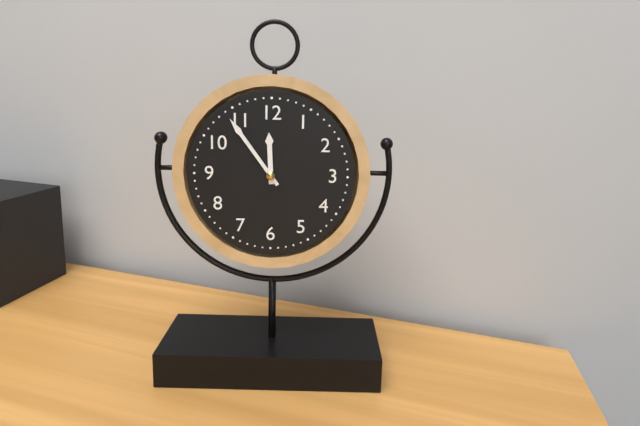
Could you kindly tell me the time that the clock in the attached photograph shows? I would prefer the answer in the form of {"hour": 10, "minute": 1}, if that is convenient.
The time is {"hour": 11, "minute": 54}
